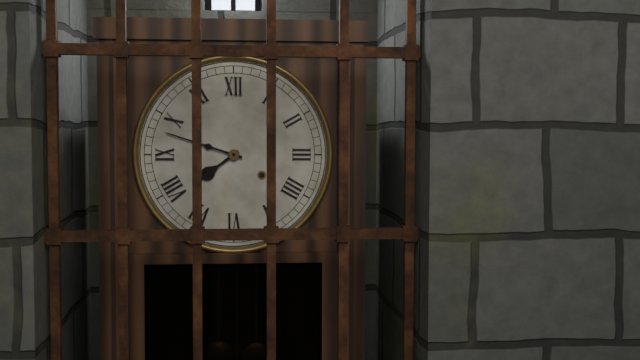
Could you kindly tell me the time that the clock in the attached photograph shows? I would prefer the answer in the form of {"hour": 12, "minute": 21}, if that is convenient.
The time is {"hour": 7, "minute": 48}
